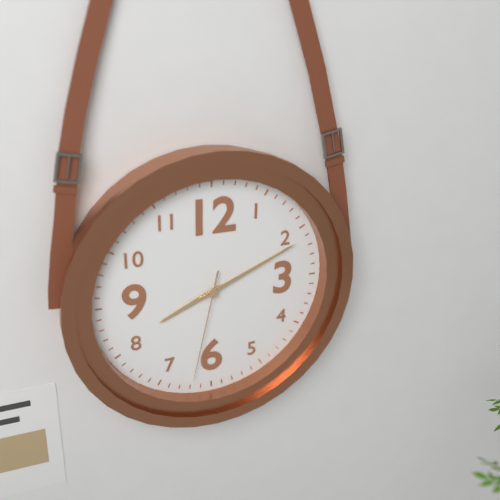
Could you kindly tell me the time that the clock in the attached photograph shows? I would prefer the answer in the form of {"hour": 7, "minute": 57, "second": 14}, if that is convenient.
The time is {"hour": 8, "minute": 11, "second": 32}
